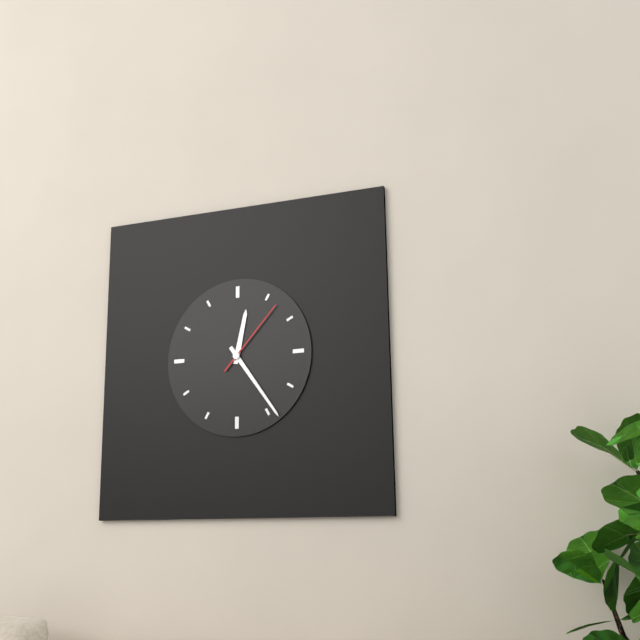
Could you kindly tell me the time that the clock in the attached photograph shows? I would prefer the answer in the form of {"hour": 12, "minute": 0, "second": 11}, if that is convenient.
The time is {"hour": 12, "minute": 24, "second": 7}
